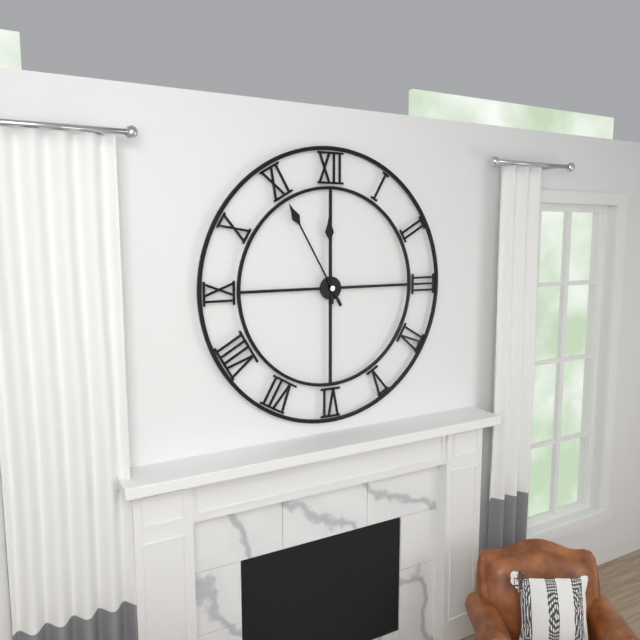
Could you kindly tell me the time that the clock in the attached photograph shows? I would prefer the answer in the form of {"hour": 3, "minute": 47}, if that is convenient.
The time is {"hour": 11, "minute": 55}
